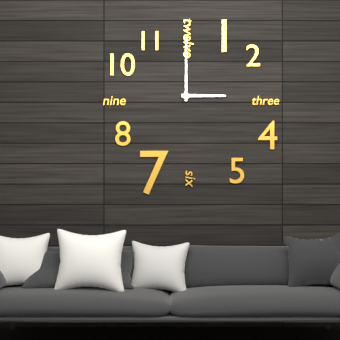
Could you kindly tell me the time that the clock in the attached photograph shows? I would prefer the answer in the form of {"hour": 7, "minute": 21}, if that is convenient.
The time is {"hour": 3, "minute": 0}
